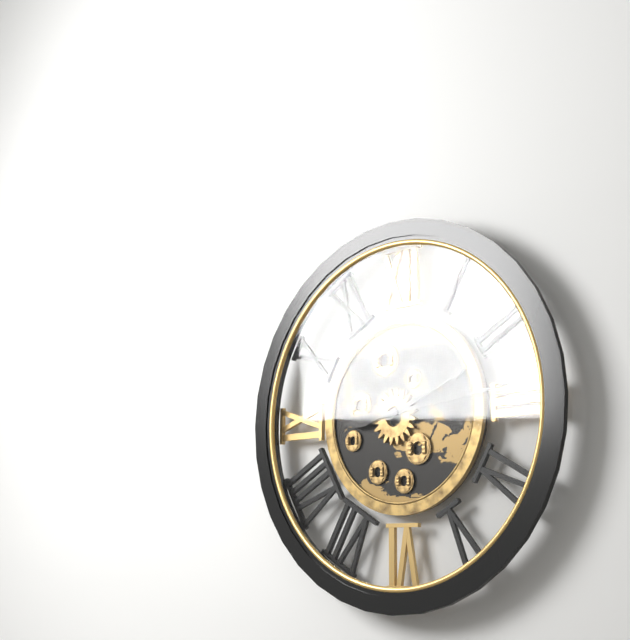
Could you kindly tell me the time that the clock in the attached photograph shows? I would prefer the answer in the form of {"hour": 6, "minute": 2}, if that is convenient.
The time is {"hour": 2, "minute": 14}
